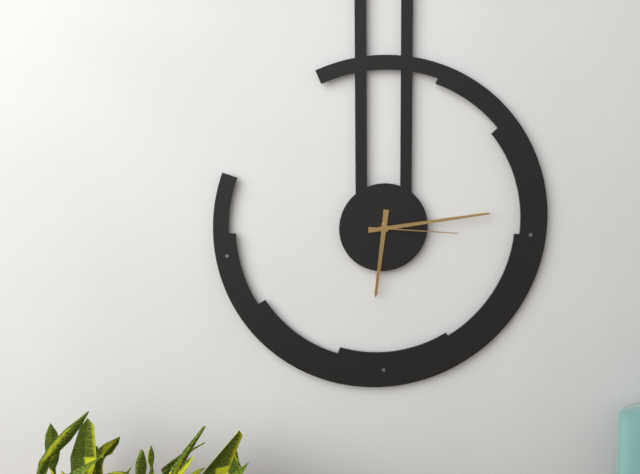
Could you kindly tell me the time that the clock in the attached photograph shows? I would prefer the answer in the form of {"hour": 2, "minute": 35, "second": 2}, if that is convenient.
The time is {"hour": 6, "minute": 14, "second": 16}
